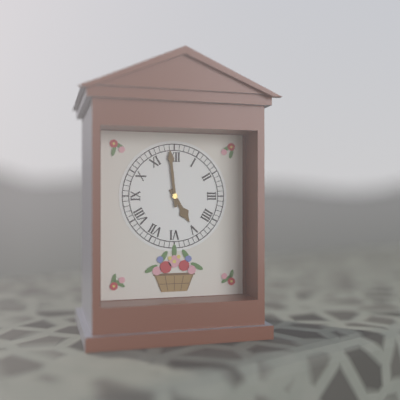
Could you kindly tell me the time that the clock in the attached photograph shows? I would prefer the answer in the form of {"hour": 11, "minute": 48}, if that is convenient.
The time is {"hour": 4, "minute": 59}
